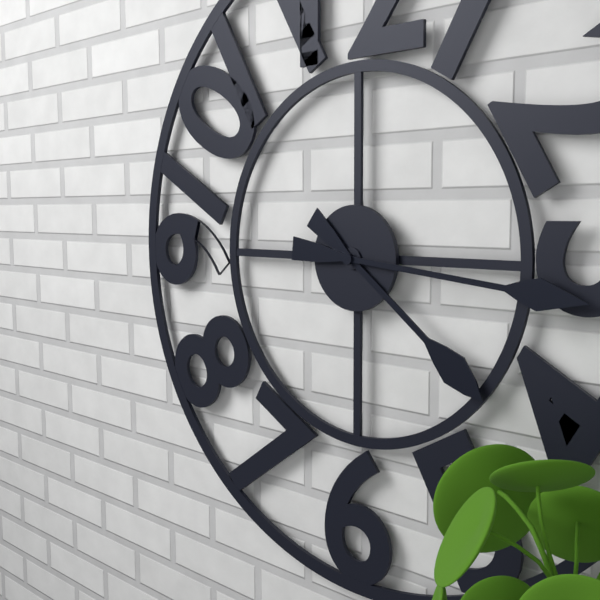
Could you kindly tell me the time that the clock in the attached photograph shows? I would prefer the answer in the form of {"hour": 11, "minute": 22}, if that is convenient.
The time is {"hour": 4, "minute": 16}
